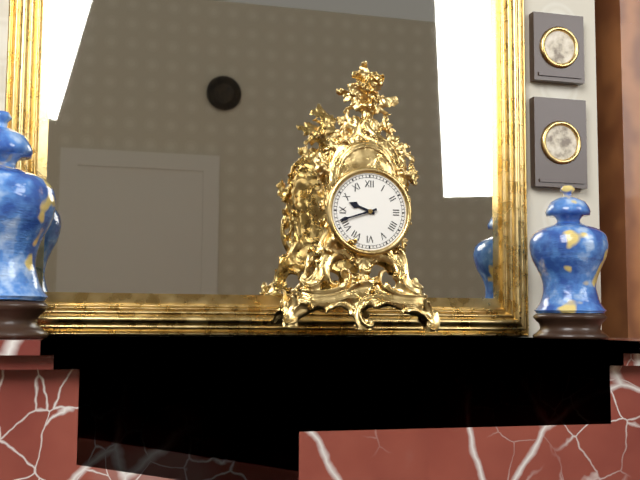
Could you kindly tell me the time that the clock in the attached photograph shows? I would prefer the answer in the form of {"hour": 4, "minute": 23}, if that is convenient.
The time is {"hour": 9, "minute": 42}
